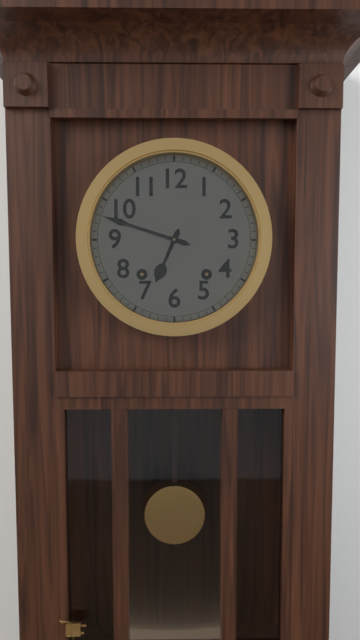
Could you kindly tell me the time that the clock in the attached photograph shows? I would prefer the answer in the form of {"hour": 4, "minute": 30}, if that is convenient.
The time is {"hour": 6, "minute": 48}
